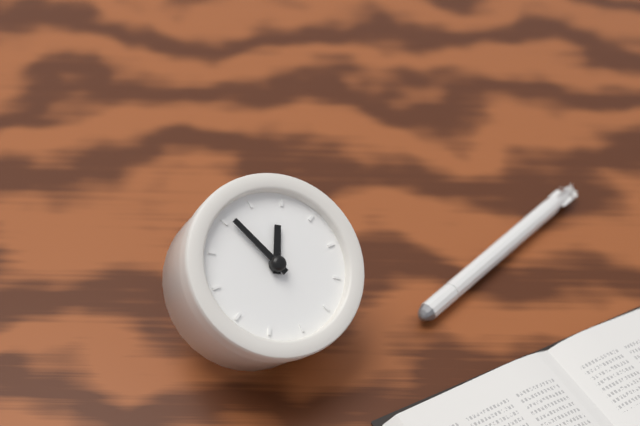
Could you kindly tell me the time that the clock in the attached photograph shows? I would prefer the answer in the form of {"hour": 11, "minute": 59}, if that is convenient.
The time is {"hour": 11, "minute": 51}
